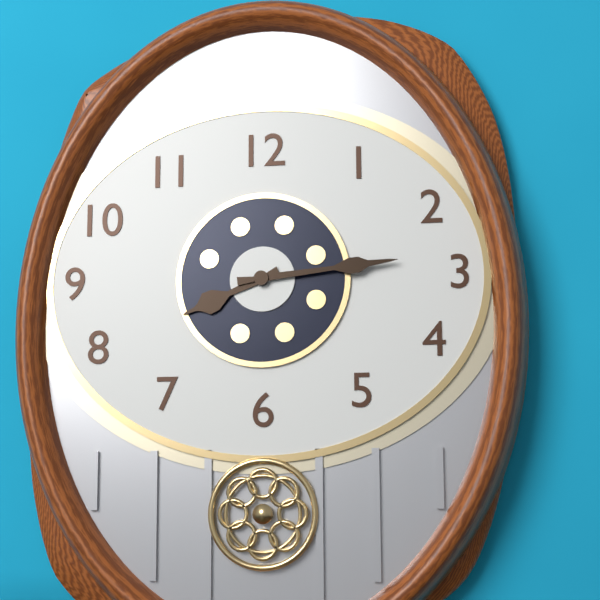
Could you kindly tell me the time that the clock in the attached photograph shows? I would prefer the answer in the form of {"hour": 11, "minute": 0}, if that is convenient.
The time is {"hour": 8, "minute": 14}
